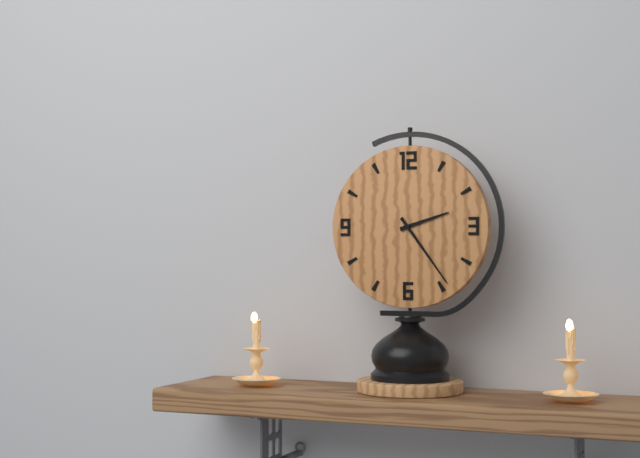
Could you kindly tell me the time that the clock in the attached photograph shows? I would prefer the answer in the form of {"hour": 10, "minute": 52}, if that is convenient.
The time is {"hour": 2, "minute": 24}
